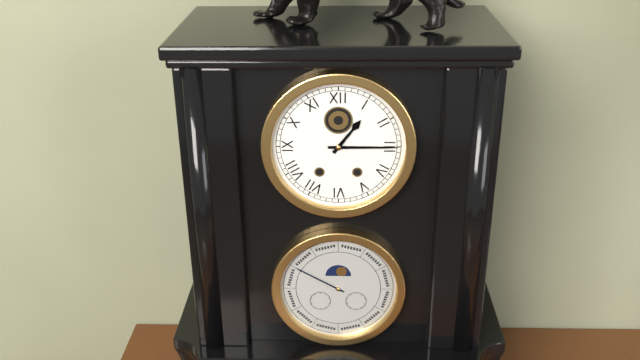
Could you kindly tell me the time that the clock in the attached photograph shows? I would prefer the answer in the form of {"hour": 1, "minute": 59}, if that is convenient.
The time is {"hour": 1, "minute": 15}
